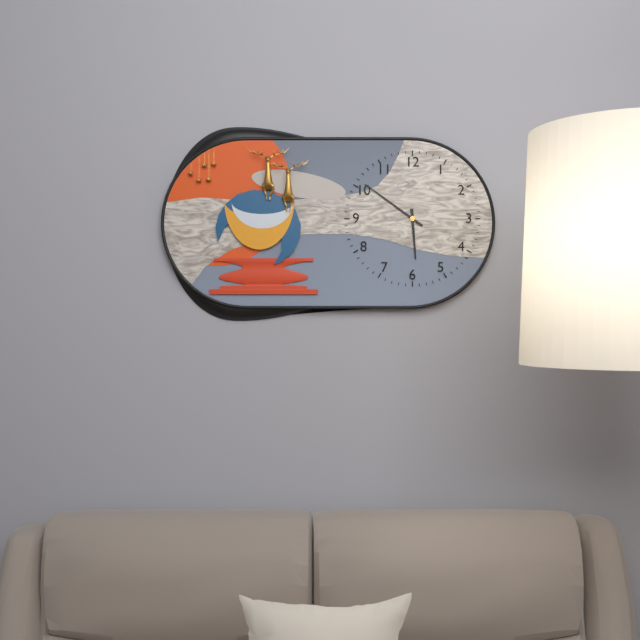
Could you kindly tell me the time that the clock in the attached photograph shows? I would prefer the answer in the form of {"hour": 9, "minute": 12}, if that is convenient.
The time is {"hour": 5, "minute": 51}
